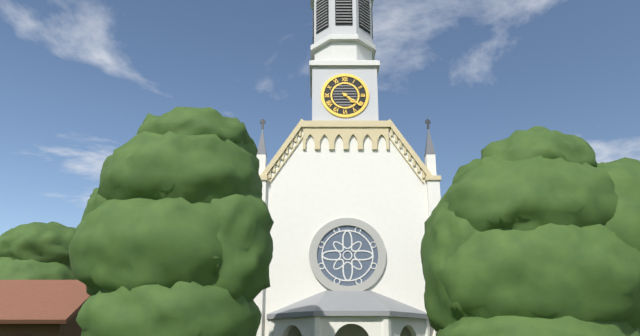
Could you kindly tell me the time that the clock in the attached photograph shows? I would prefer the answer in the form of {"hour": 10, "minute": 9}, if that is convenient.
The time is {"hour": 4, "minute": 21}
